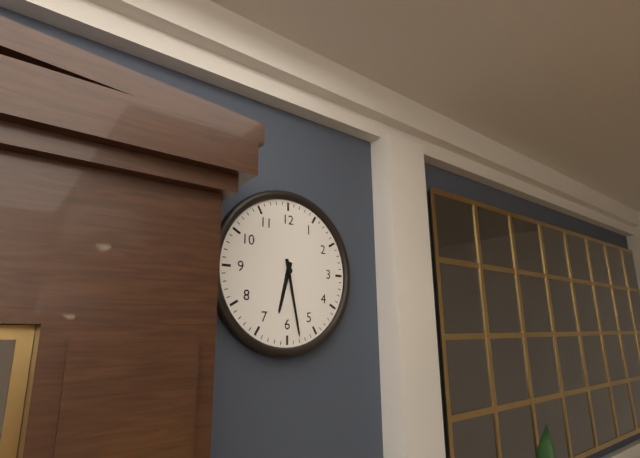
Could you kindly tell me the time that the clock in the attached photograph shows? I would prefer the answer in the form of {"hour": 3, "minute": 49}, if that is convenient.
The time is {"hour": 6, "minute": 28}
